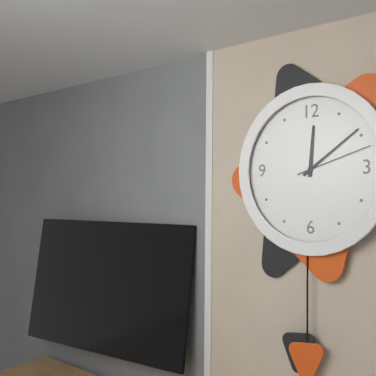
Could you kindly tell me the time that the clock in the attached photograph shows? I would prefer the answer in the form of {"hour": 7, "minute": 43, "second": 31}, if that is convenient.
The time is {"hour": 12, "minute": 9, "second": 12}
